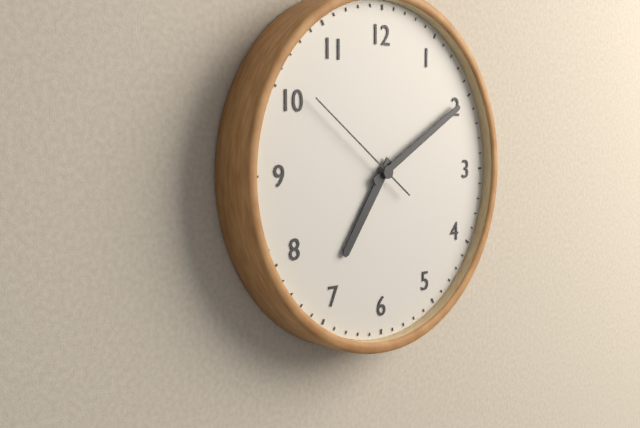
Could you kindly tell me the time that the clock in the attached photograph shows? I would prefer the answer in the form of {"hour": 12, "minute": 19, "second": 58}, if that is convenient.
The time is {"hour": 7, "minute": 10, "second": 51}
